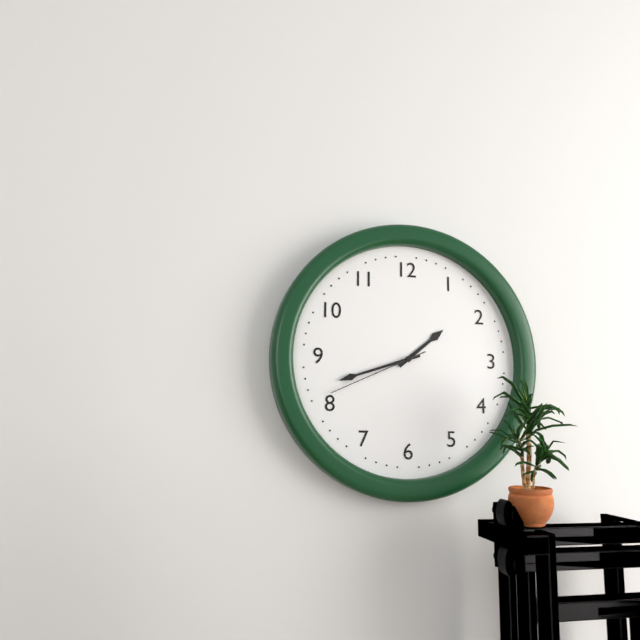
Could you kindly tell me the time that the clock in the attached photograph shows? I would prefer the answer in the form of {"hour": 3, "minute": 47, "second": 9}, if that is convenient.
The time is {"hour": 1, "minute": 42, "second": 41}
